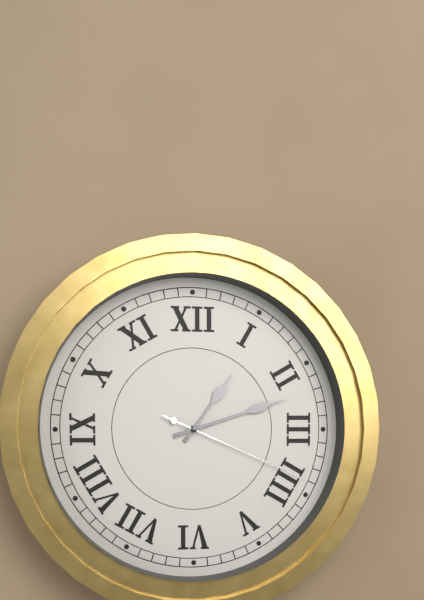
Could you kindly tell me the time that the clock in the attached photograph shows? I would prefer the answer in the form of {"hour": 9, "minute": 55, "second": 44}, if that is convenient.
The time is {"hour": 1, "minute": 12, "second": 19}
